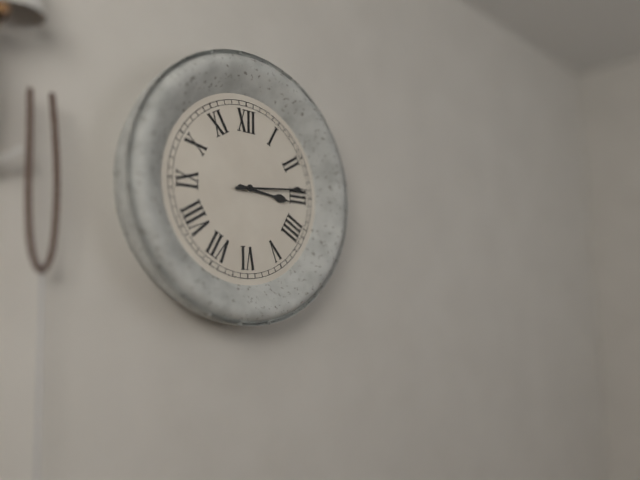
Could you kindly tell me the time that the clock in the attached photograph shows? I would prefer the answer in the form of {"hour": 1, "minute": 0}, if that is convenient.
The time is {"hour": 3, "minute": 14}
